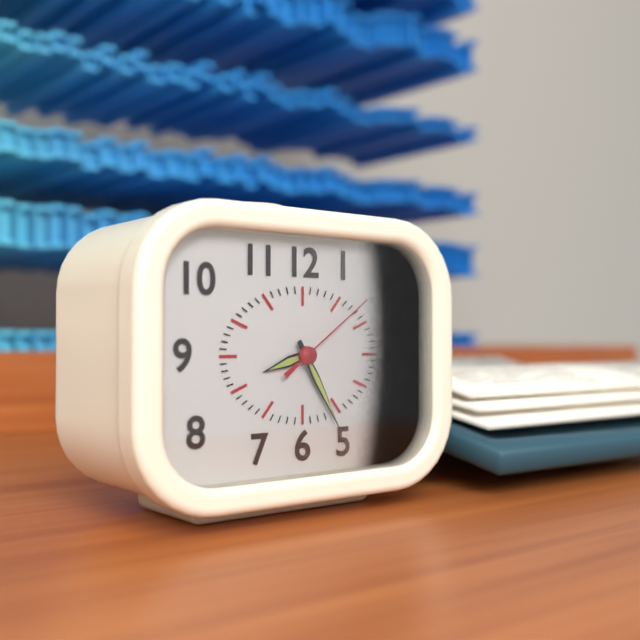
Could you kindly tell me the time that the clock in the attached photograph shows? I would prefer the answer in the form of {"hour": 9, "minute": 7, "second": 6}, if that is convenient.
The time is {"hour": 8, "minute": 25, "second": 9}
